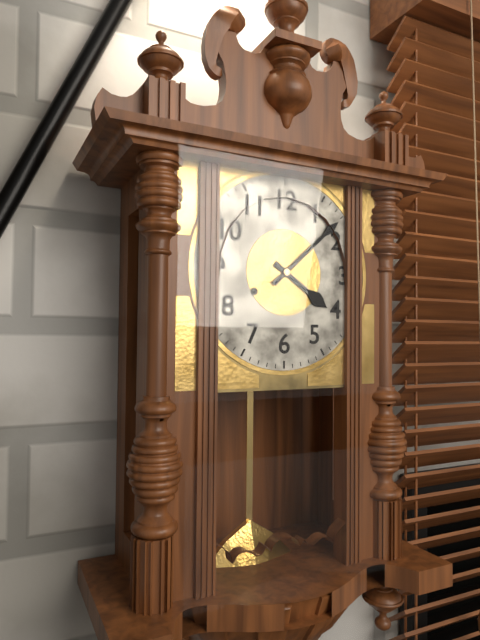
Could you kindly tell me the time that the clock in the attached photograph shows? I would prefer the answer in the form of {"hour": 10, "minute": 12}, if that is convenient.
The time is {"hour": 4, "minute": 8}
